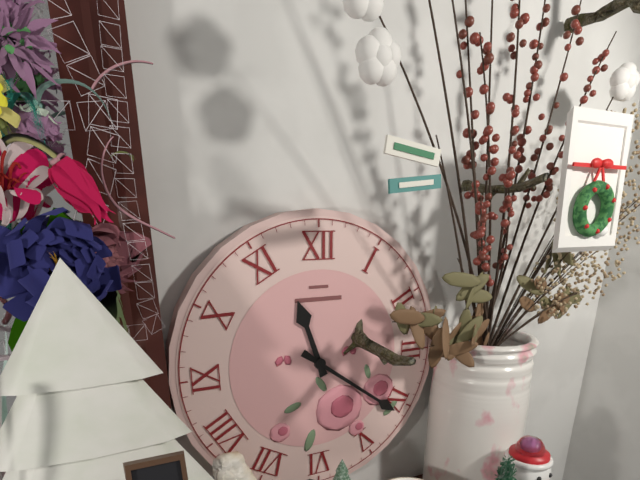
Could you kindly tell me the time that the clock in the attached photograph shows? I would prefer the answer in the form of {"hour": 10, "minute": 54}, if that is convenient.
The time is {"hour": 11, "minute": 21}
